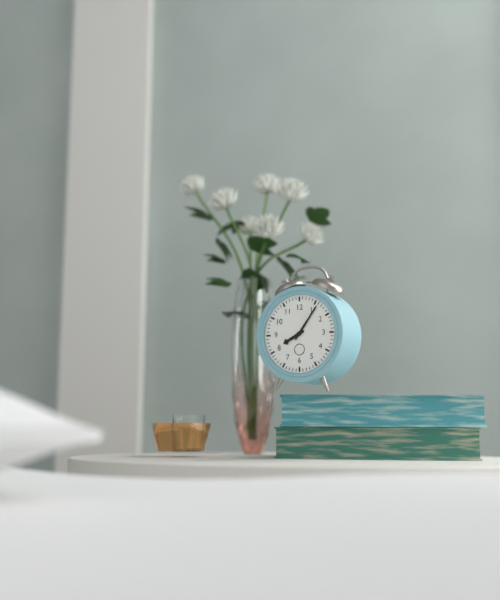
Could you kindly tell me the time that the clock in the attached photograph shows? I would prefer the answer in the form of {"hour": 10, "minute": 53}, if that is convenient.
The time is {"hour": 8, "minute": 6}
